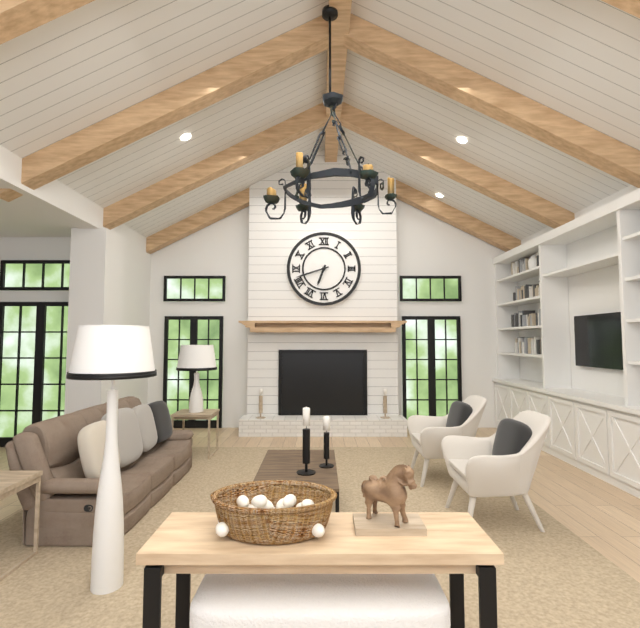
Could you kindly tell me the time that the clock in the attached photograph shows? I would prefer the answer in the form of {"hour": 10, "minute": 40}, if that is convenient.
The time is {"hour": 6, "minute": 42}
